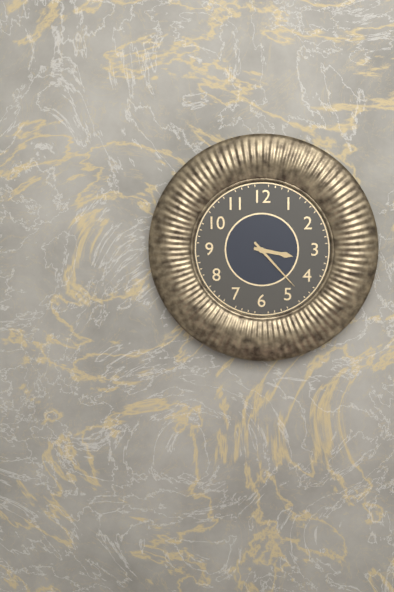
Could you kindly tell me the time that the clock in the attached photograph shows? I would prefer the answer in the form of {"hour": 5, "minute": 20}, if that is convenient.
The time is {"hour": 3, "minute": 23}
